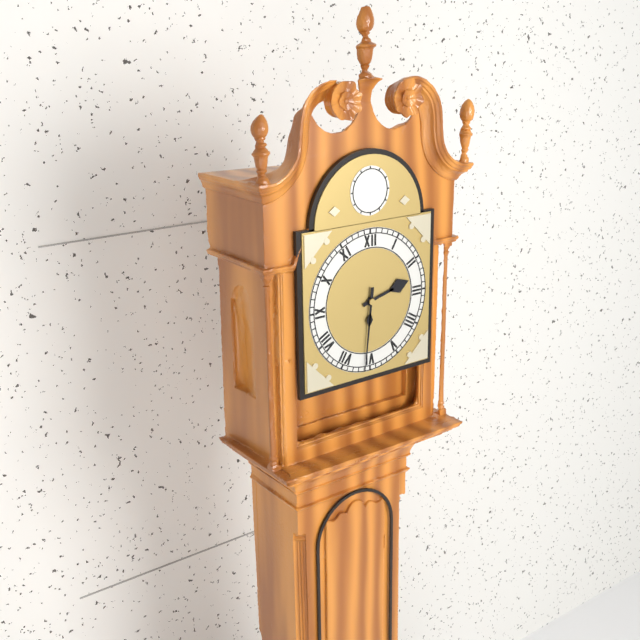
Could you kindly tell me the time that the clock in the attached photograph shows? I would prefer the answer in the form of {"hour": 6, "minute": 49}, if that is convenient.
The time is {"hour": 2, "minute": 31}
